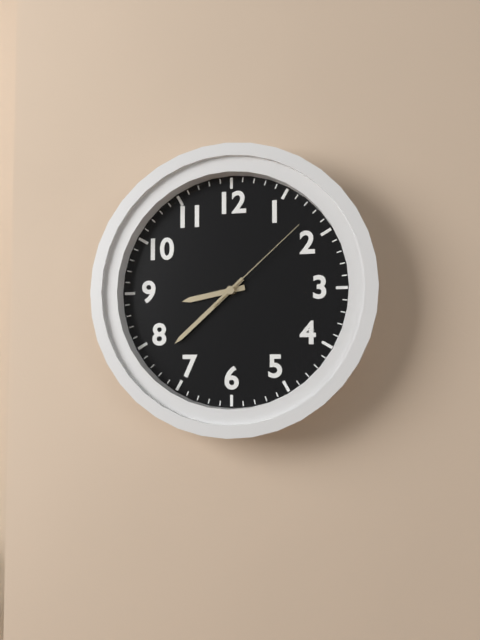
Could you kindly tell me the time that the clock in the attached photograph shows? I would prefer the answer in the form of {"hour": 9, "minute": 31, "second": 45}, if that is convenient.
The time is {"hour": 8, "minute": 38, "second": 8}
